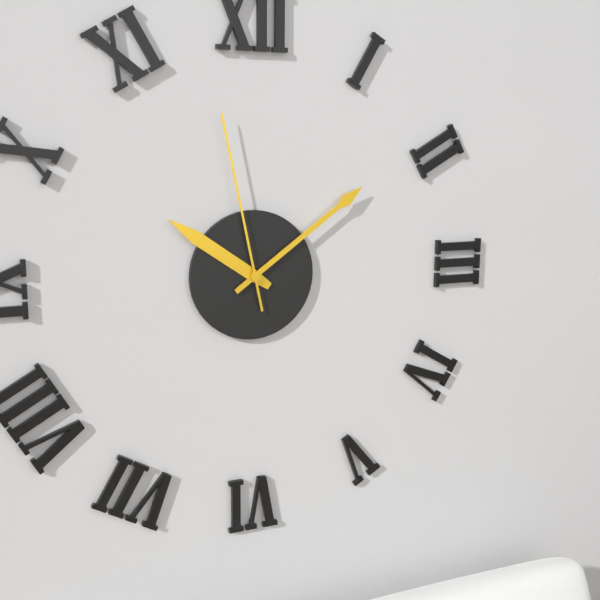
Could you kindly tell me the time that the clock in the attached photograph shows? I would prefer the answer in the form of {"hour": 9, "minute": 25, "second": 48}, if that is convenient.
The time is {"hour": 10, "minute": 9, "second": 58}
